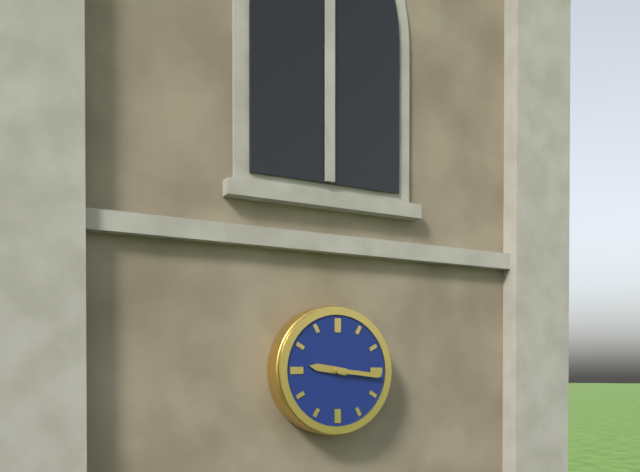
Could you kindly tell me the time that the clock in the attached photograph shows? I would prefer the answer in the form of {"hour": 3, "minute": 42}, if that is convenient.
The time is {"hour": 9, "minute": 16}
